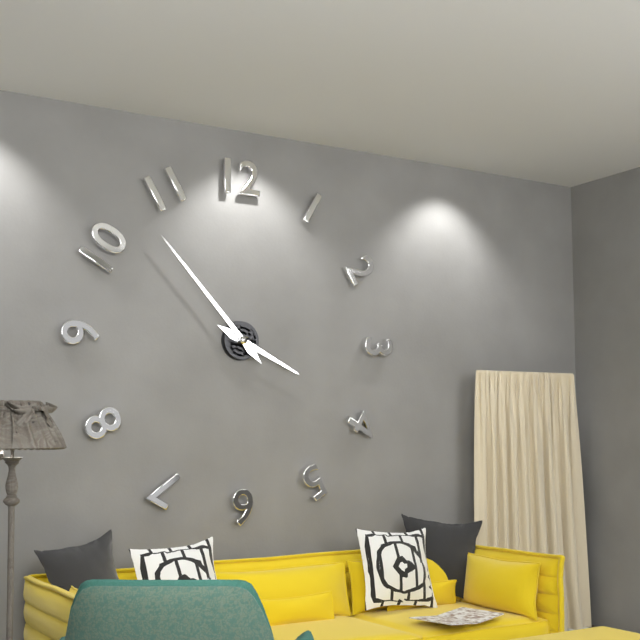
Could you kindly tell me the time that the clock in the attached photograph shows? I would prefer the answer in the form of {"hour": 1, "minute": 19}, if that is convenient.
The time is {"hour": 3, "minute": 53}
